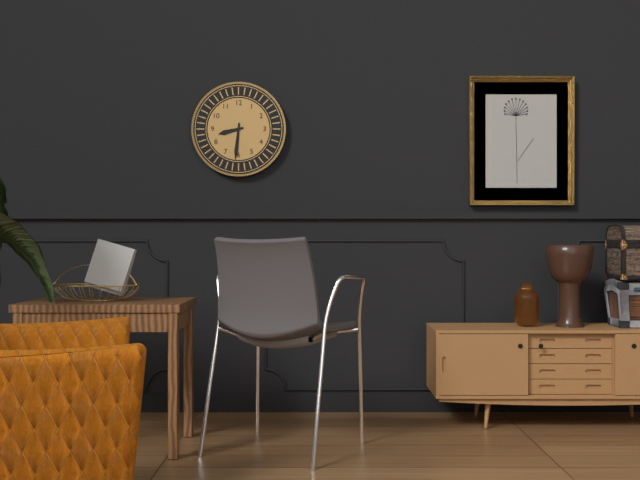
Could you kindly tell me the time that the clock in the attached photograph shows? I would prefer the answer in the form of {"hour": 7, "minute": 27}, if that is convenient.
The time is {"hour": 8, "minute": 31}
